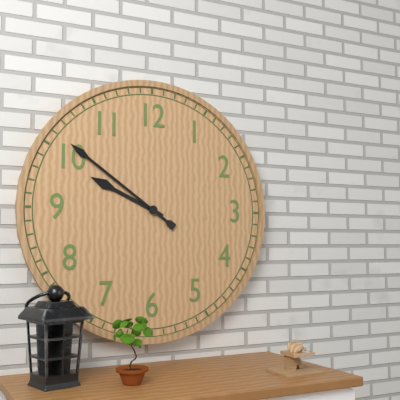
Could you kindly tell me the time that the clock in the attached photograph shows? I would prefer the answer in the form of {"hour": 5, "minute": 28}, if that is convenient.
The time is {"hour": 9, "minute": 51}
